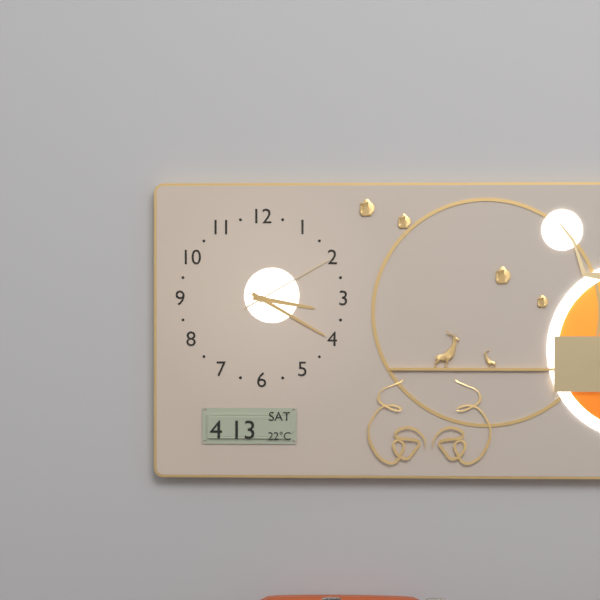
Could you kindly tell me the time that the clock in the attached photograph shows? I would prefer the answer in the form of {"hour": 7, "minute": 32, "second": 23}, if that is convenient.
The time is {"hour": 3, "minute": 20, "second": 10}
